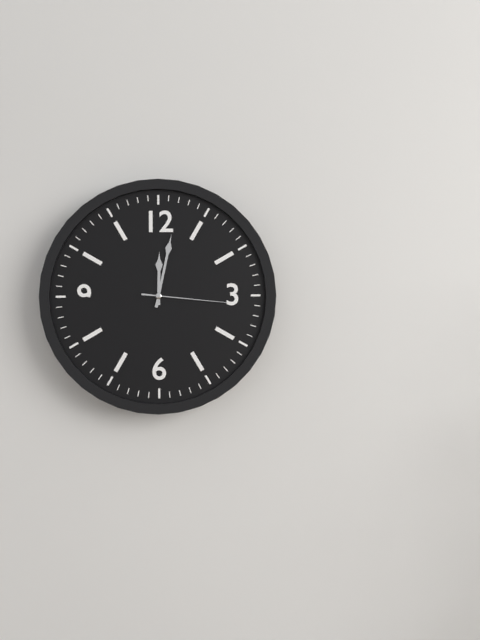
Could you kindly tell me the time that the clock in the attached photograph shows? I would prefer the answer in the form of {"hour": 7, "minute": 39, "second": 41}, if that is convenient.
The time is {"hour": 12, "minute": 2, "second": 16}
